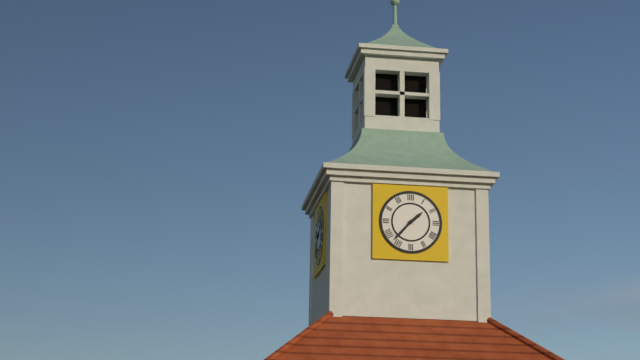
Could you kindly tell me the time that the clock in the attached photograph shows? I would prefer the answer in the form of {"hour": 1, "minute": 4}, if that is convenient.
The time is {"hour": 1, "minute": 37}
